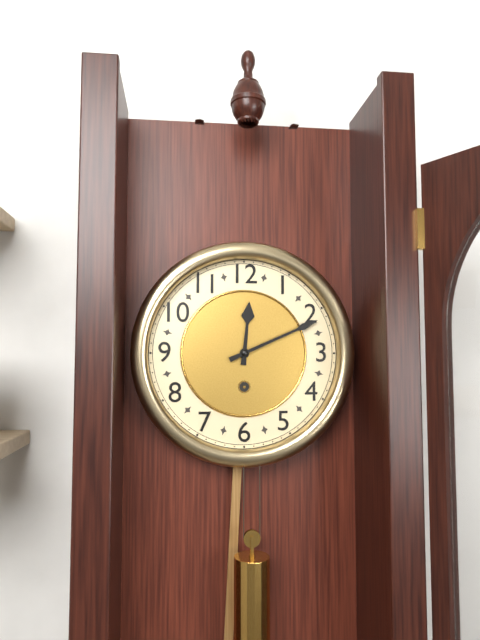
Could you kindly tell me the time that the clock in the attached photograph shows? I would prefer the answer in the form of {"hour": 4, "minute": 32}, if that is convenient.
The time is {"hour": 12, "minute": 11}
